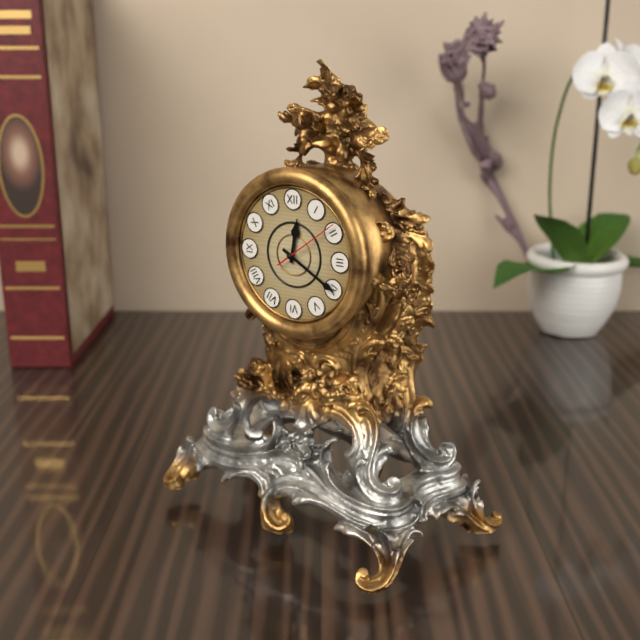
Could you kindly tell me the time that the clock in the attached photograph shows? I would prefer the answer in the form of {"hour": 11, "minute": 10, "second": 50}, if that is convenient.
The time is {"hour": 12, "minute": 20, "second": 9}
